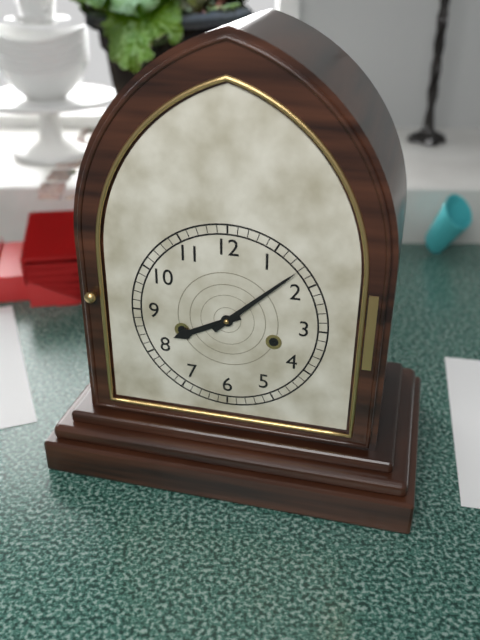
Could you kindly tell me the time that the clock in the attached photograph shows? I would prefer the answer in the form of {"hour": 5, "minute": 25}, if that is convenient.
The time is {"hour": 8, "minute": 8}
